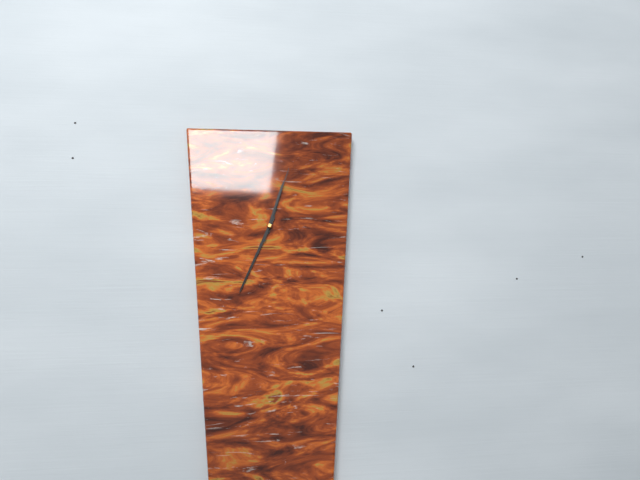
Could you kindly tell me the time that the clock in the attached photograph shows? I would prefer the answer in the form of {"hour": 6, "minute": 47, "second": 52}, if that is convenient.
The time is {"hour": 12, "minute": 34, "second": 3}
